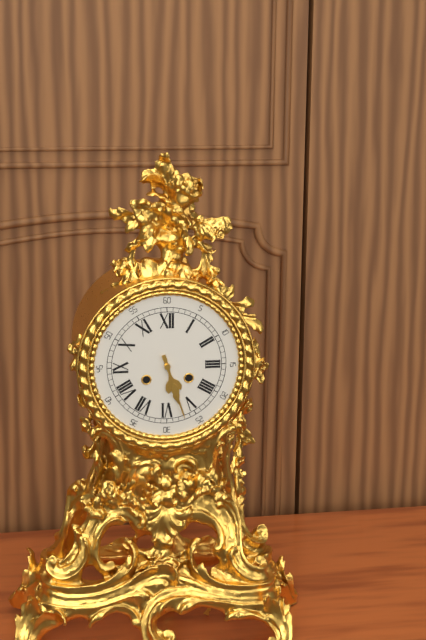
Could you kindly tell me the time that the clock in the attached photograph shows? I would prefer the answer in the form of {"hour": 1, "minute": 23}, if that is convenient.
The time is {"hour": 5, "minute": 27}
